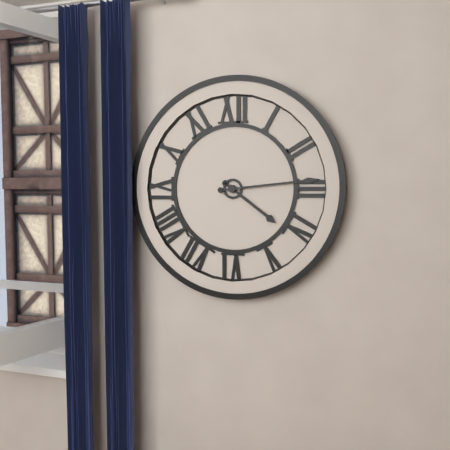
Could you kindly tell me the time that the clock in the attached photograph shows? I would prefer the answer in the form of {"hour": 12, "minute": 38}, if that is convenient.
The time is {"hour": 4, "minute": 14}
